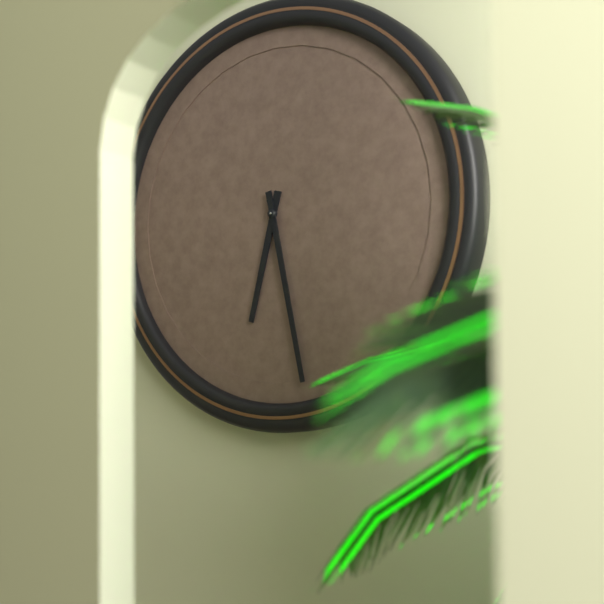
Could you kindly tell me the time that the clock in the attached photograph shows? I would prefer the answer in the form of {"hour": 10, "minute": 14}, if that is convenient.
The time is {"hour": 6, "minute": 28}
